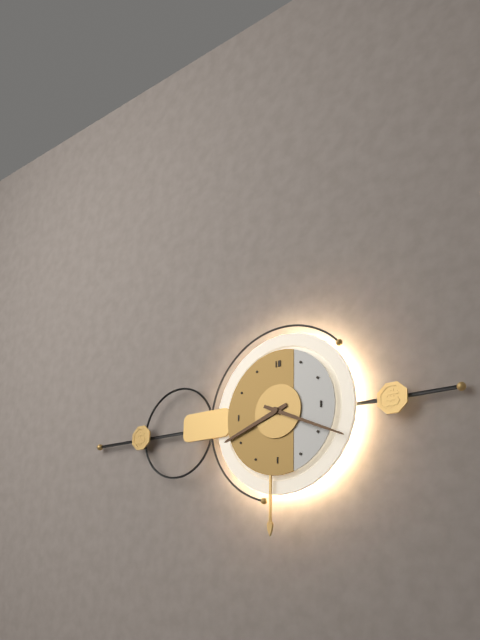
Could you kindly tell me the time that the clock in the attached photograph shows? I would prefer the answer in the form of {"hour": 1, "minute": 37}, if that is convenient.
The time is {"hour": 8, "minute": 19}
